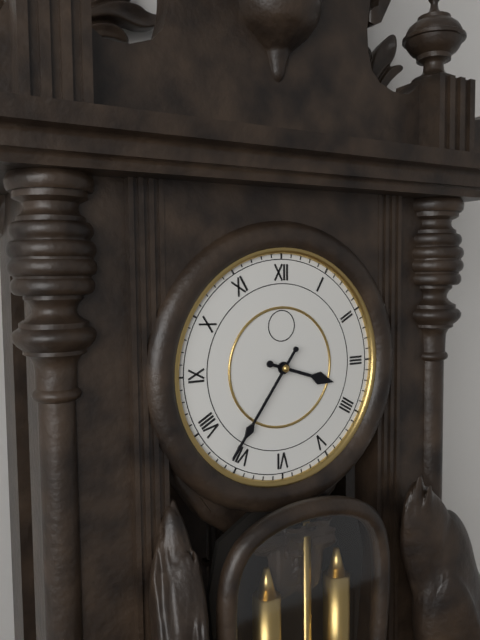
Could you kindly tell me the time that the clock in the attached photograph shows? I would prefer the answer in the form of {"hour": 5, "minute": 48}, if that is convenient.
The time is {"hour": 3, "minute": 36}
